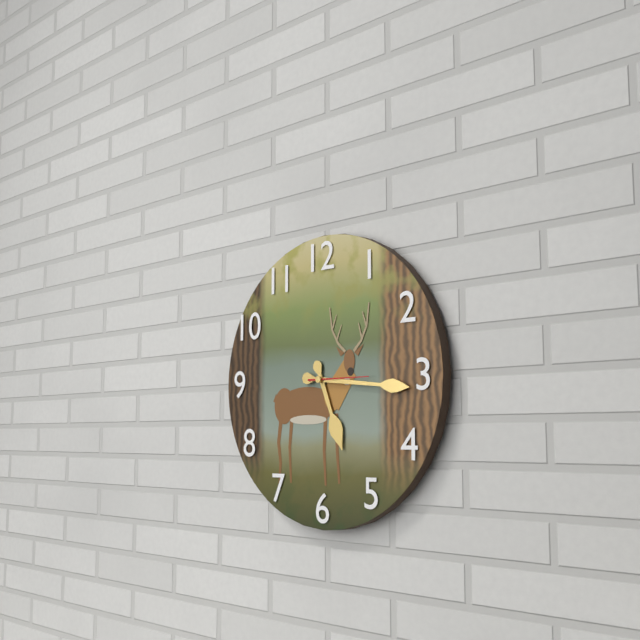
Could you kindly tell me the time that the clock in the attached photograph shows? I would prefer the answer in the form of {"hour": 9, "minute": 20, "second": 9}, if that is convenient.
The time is {"hour": 5, "minute": 16, "second": 15}
